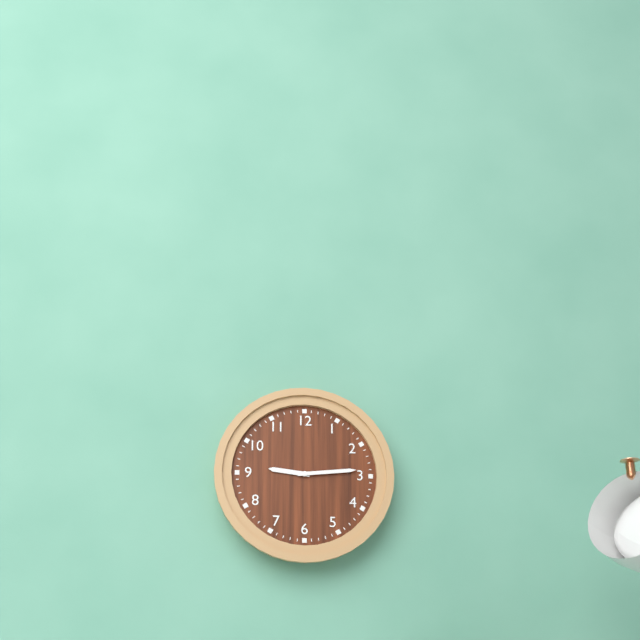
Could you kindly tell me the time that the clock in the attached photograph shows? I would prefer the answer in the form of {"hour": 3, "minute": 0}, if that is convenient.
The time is {"hour": 9, "minute": 14}
